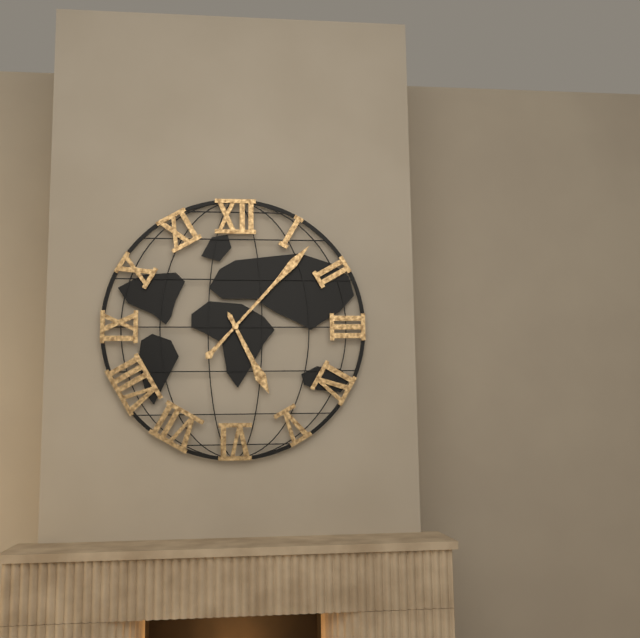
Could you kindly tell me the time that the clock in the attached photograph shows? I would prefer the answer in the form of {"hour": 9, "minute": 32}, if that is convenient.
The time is {"hour": 5, "minute": 7}
